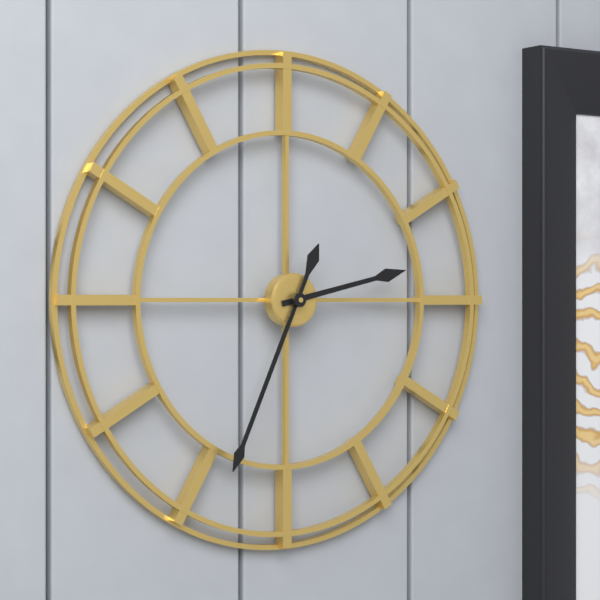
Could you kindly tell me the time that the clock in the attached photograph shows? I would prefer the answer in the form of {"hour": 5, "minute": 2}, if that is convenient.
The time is {"hour": 2, "minute": 34}
